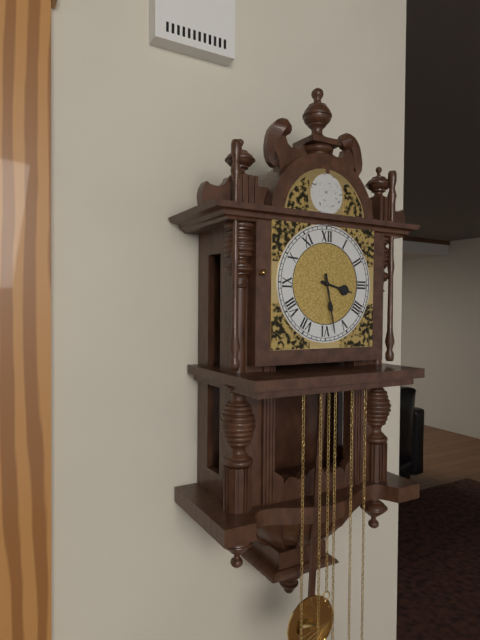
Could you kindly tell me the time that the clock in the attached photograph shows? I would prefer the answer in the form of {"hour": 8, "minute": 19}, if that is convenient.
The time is {"hour": 3, "minute": 28}
